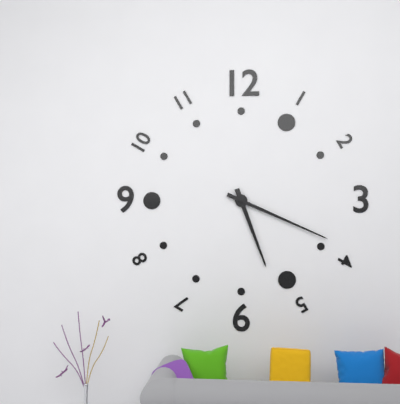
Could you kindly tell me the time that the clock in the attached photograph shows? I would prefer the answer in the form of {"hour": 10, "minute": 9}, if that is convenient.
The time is {"hour": 5, "minute": 19}
